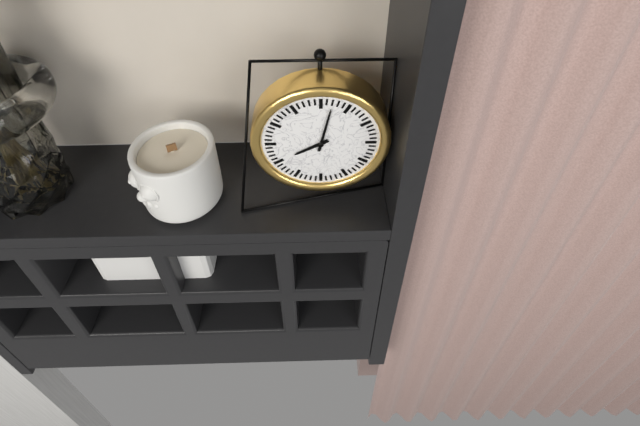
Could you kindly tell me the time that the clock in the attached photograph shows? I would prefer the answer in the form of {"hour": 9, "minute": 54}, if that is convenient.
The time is {"hour": 8, "minute": 2}
